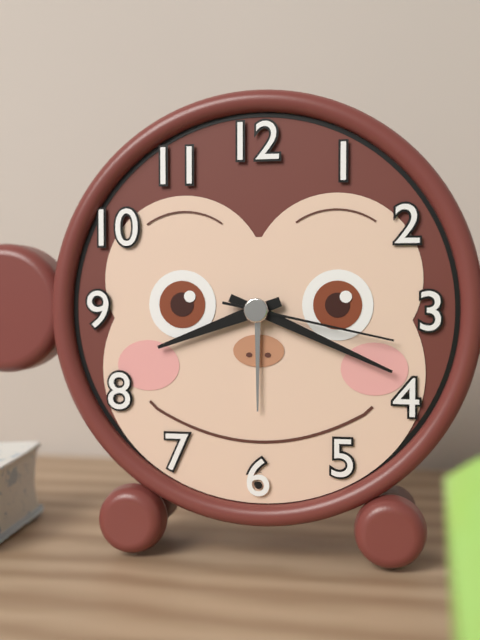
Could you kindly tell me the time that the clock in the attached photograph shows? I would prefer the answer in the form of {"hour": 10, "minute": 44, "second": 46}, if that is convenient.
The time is {"hour": 8, "minute": 19, "second": 17}
